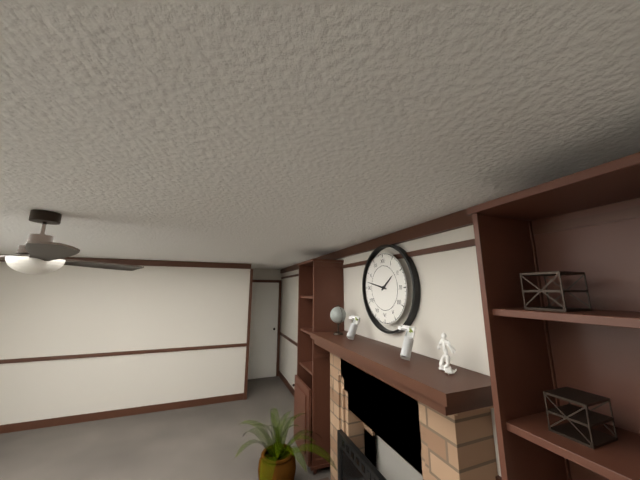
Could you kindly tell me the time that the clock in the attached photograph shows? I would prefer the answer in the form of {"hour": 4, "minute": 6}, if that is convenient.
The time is {"hour": 1, "minute": 47}
